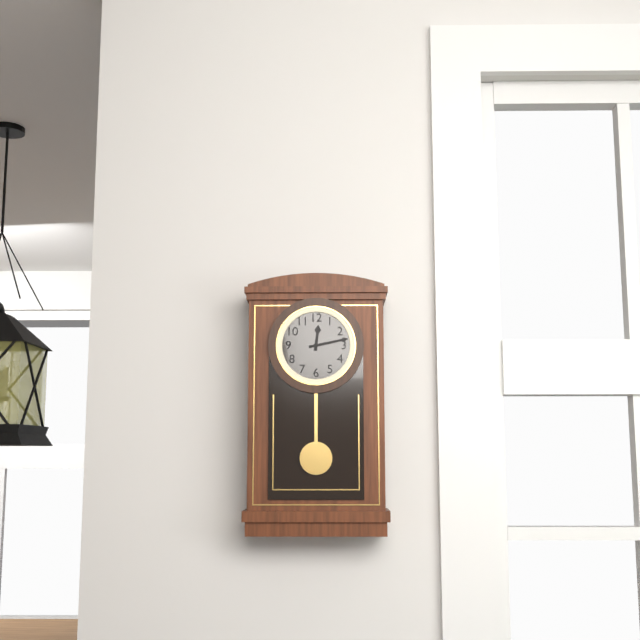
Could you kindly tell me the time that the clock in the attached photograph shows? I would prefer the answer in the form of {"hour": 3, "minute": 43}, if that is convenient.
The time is {"hour": 12, "minute": 13}
